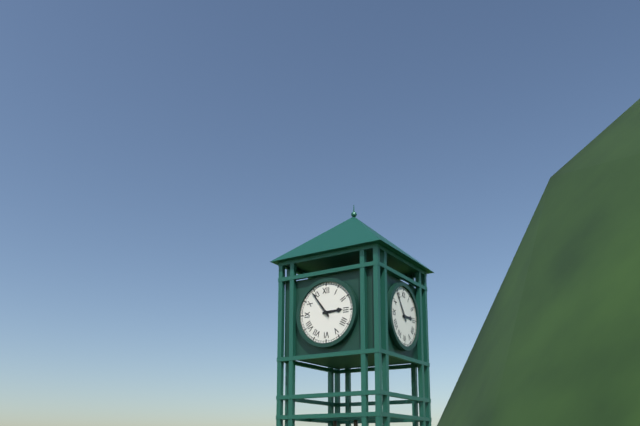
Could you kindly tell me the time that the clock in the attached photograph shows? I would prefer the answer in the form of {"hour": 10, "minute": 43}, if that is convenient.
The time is {"hour": 2, "minute": 54}
